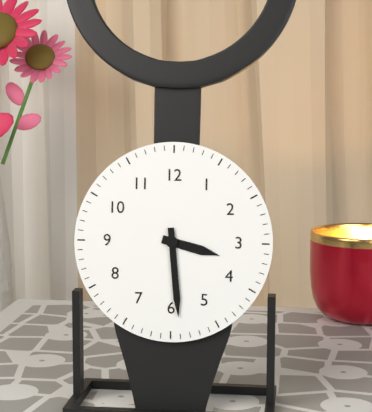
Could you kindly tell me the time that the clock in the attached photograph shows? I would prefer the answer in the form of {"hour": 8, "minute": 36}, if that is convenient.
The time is {"hour": 3, "minute": 29}
